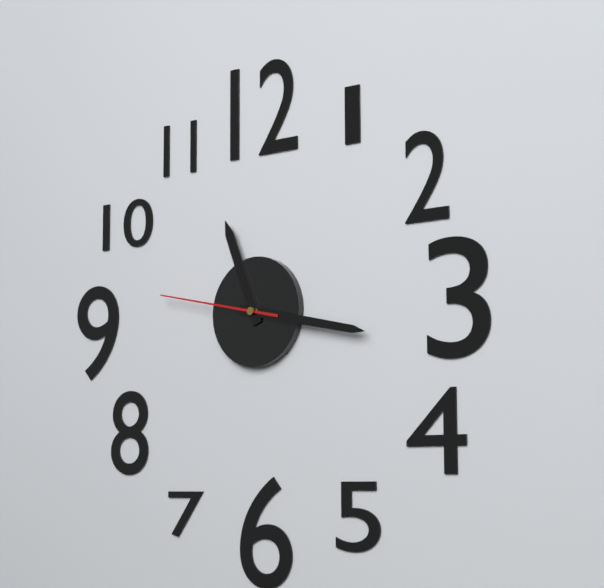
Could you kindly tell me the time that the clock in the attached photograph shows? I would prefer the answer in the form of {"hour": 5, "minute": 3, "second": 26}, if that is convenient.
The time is {"hour": 11, "minute": 17, "second": 47}
